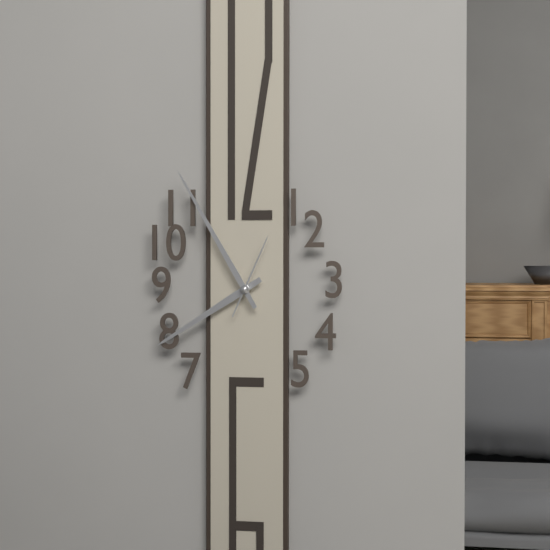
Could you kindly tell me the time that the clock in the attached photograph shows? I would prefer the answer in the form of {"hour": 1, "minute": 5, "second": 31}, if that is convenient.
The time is {"hour": 7, "minute": 55, "second": 4}
